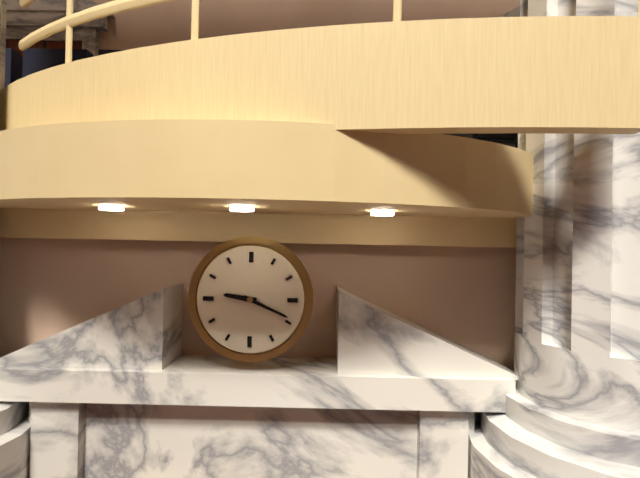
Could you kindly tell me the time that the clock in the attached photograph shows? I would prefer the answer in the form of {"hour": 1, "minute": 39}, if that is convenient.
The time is {"hour": 9, "minute": 19}
